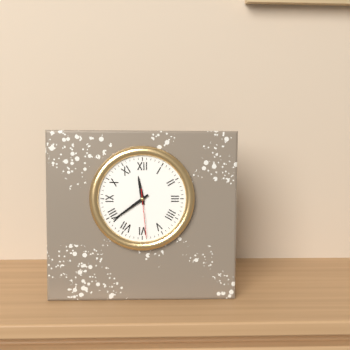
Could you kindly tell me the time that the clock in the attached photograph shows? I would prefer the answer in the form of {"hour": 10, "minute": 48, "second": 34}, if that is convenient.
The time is {"hour": 11, "minute": 39, "second": 29}
